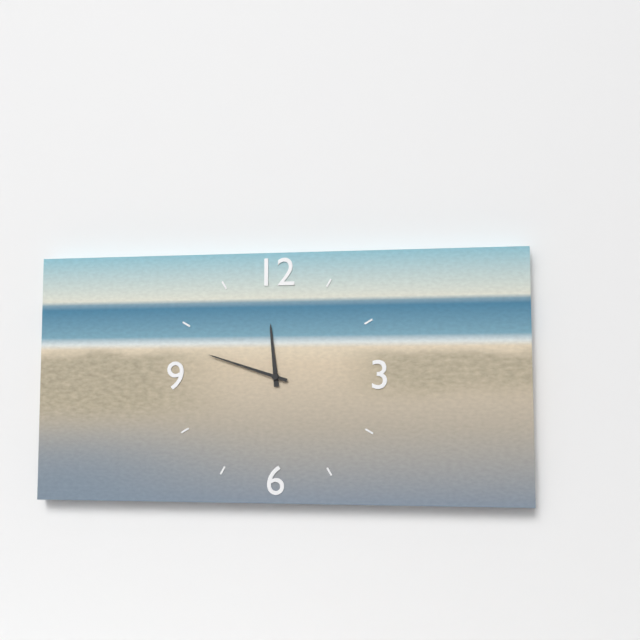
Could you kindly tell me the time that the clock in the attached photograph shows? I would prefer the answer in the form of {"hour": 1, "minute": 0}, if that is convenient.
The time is {"hour": 11, "minute": 48}
